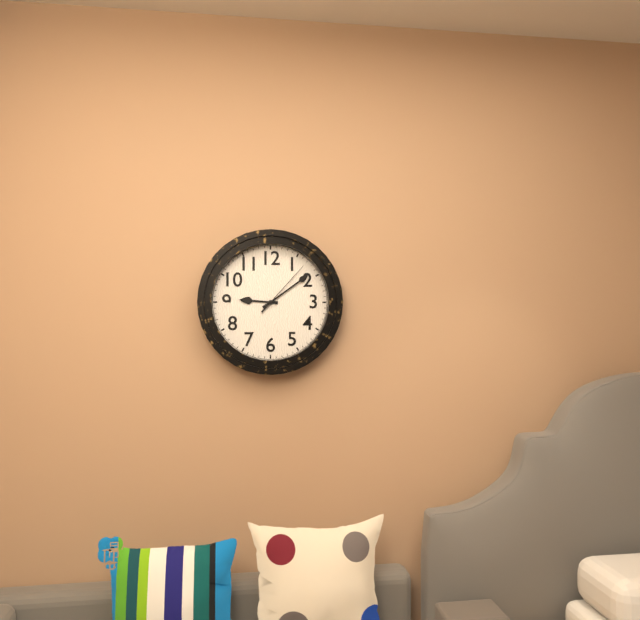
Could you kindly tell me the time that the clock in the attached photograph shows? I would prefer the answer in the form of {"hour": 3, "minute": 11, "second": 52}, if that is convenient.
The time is {"hour": 9, "minute": 9, "second": 7}
